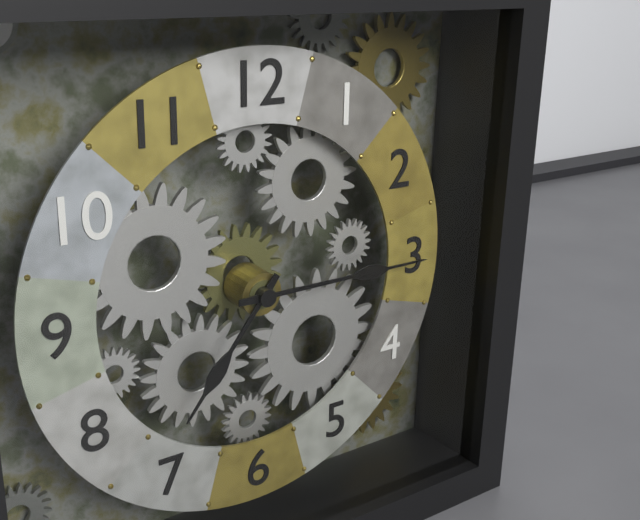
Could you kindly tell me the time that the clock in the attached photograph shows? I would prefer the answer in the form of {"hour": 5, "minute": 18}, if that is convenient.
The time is {"hour": 7, "minute": 15}
